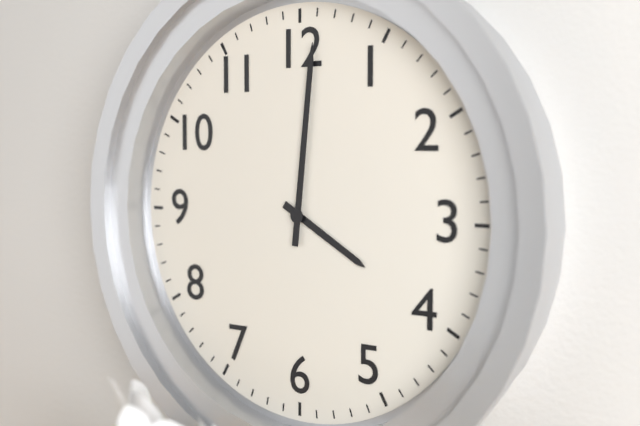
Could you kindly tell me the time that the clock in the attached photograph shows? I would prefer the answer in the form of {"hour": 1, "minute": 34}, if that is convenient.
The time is {"hour": 4, "minute": 1}
